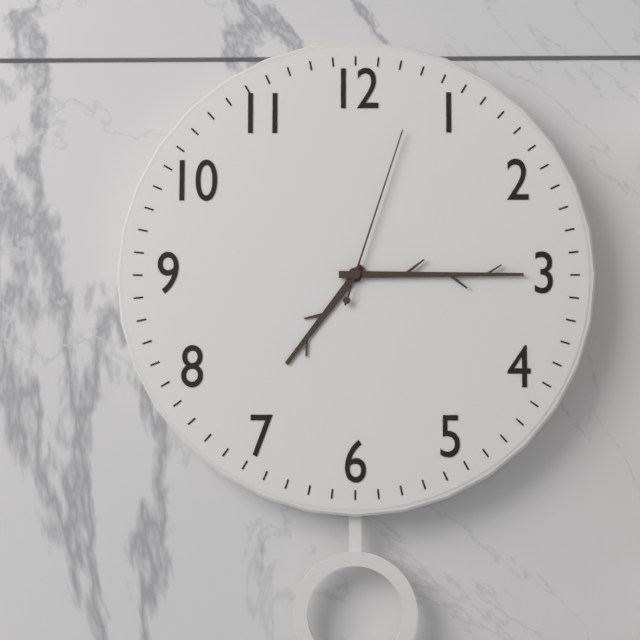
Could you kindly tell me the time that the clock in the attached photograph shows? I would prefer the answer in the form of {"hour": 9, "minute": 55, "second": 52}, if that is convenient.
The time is {"hour": 7, "minute": 15, "second": 3}
